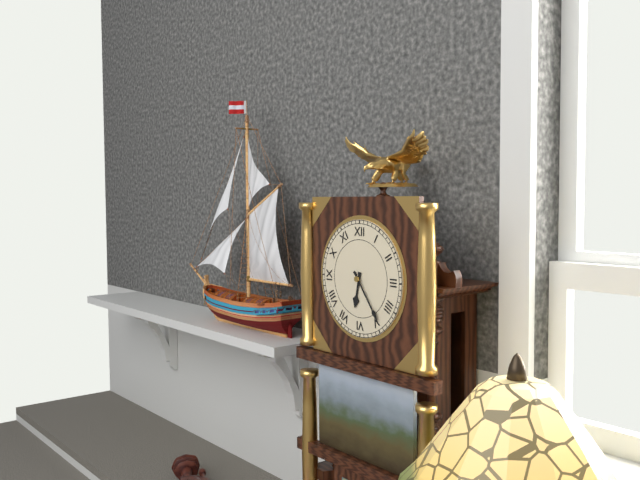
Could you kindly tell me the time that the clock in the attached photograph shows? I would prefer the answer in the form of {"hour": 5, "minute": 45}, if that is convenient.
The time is {"hour": 6, "minute": 24}
